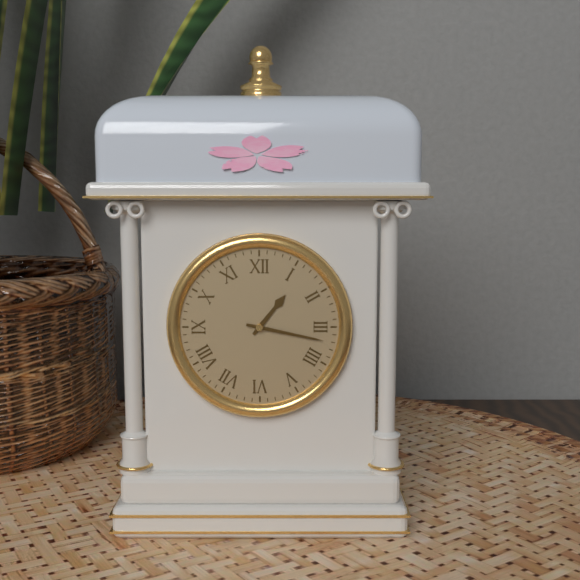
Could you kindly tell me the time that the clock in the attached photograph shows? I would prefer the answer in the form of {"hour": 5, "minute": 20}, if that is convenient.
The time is {"hour": 1, "minute": 17}
